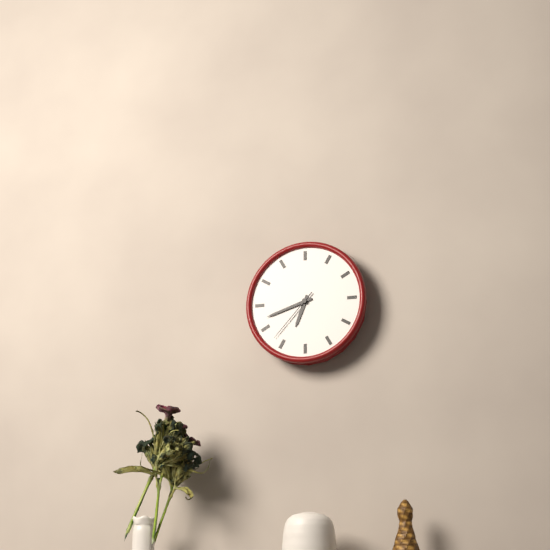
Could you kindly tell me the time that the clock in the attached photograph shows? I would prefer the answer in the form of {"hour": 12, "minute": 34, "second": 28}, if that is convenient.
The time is {"hour": 6, "minute": 42, "second": 37}
